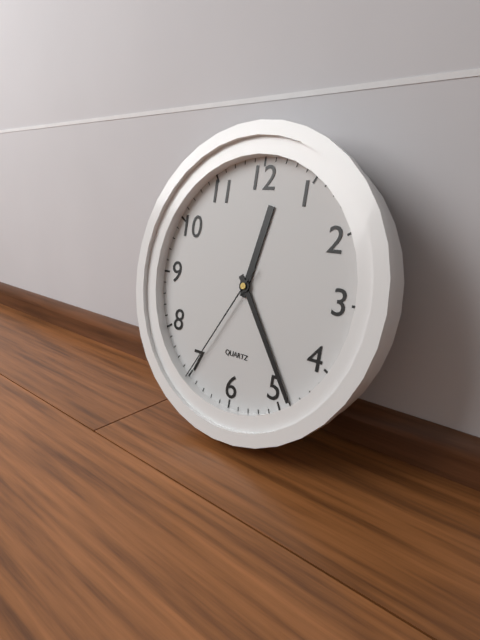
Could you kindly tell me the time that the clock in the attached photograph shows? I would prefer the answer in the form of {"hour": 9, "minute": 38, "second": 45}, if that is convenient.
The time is {"hour": 12, "minute": 24, "second": 35}
